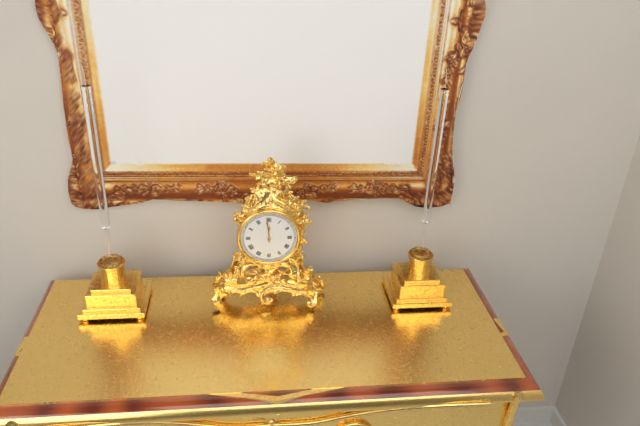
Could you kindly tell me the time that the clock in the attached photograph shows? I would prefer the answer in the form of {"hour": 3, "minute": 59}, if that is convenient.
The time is {"hour": 11, "minute": 59}
